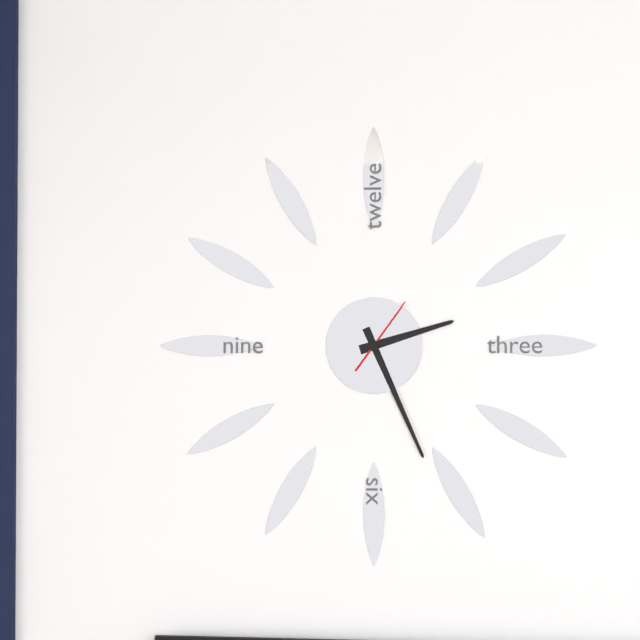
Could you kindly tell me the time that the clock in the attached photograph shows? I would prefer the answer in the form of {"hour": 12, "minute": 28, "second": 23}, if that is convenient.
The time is {"hour": 2, "minute": 26, "second": 6}
